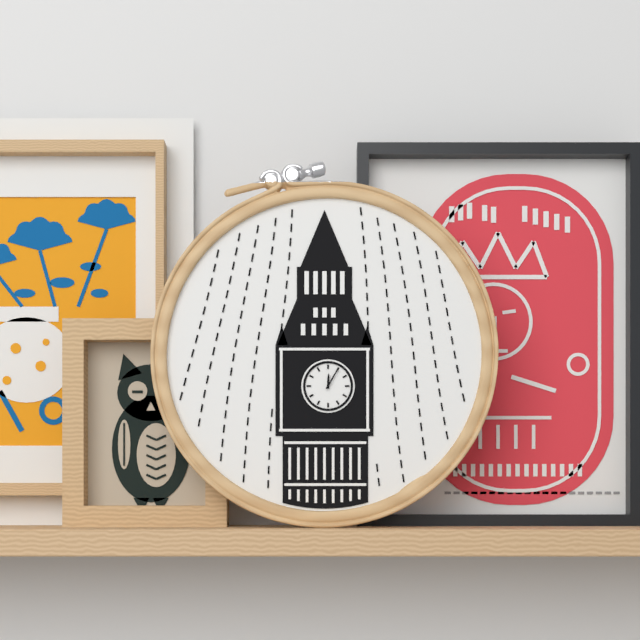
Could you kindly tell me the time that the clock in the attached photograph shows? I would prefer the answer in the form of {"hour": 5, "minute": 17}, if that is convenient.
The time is {"hour": 12, "minute": 5}
